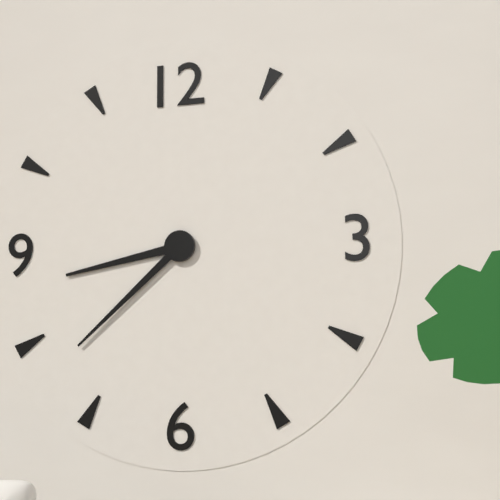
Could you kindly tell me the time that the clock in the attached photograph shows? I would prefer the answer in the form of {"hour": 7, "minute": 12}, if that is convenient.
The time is {"hour": 8, "minute": 38}
